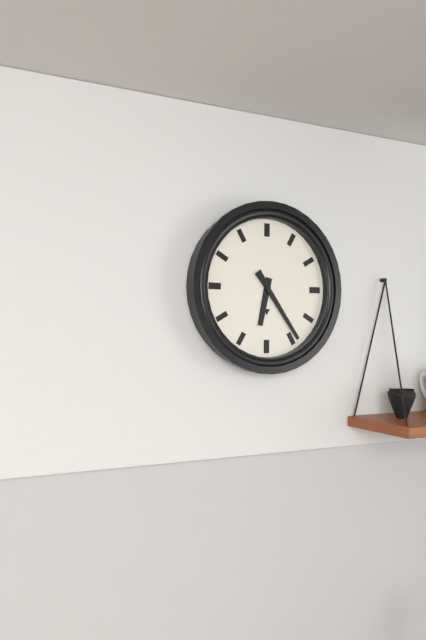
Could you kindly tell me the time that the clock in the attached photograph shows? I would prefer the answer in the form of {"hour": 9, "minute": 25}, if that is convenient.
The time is {"hour": 6, "minute": 24}
